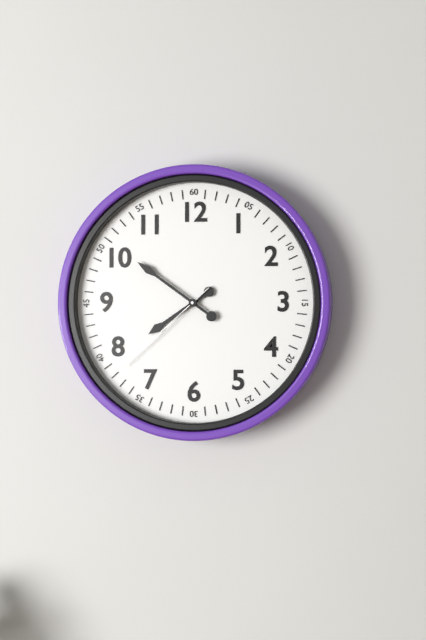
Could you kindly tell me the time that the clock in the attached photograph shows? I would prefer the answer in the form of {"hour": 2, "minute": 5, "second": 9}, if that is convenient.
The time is {"hour": 7, "minute": 51, "second": 38}
